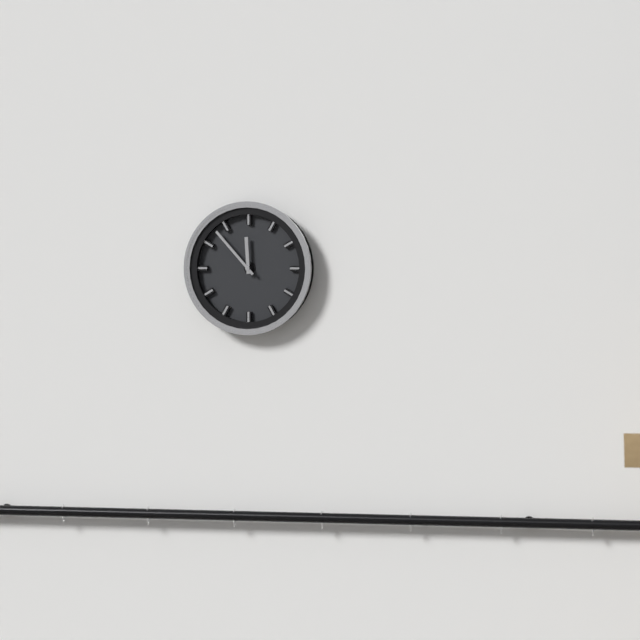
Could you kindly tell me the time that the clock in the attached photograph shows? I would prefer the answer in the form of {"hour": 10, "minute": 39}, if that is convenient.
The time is {"hour": 11, "minute": 53}
